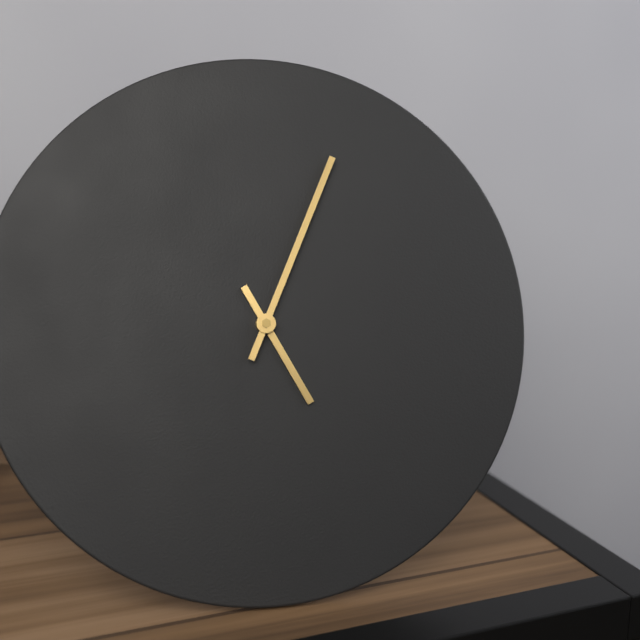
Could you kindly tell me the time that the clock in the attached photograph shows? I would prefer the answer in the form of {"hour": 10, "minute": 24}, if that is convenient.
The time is {"hour": 5, "minute": 4}
